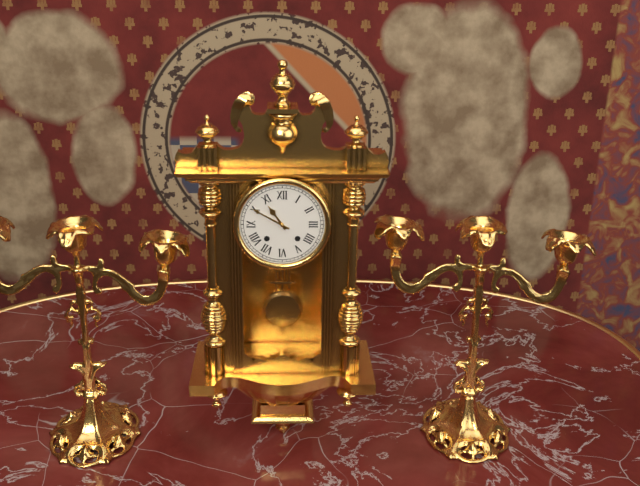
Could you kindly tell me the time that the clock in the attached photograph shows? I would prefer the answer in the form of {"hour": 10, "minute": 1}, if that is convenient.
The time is {"hour": 10, "minute": 50}
